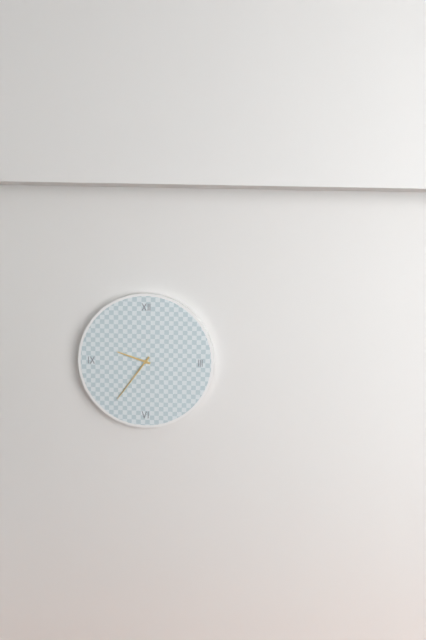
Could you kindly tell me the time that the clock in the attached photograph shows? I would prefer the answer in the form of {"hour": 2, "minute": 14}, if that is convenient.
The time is {"hour": 9, "minute": 36}
